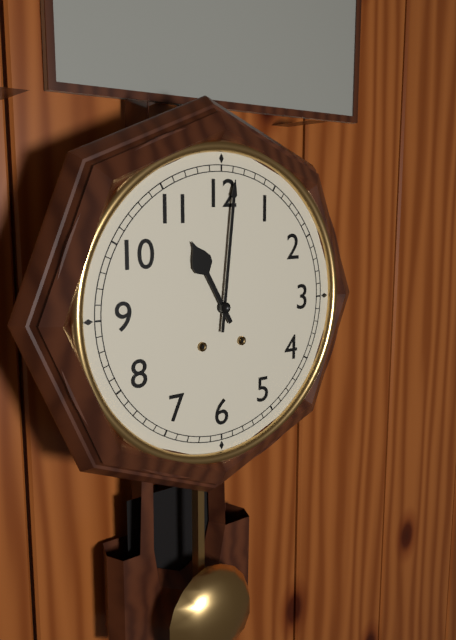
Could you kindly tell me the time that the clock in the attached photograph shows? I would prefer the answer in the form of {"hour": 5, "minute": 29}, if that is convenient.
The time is {"hour": 11, "minute": 1}
